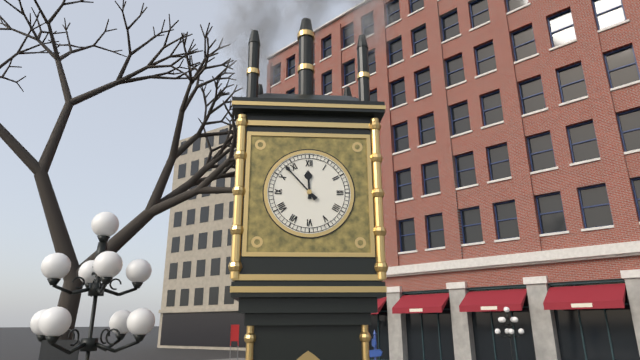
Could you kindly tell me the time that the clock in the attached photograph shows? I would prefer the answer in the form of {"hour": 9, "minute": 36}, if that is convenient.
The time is {"hour": 11, "minute": 53}
